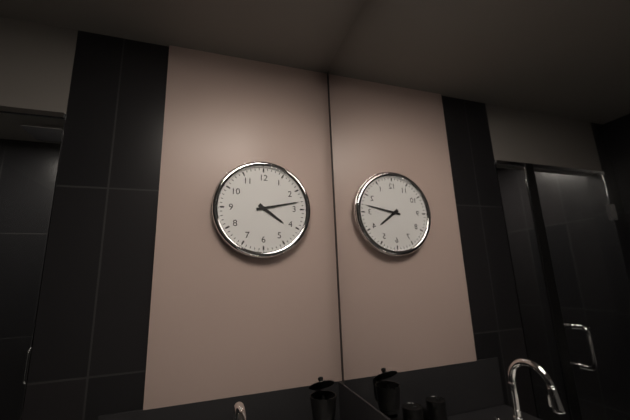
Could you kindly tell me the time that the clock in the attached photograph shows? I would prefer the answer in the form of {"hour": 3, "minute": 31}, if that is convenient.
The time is {"hour": 4, "minute": 13}
